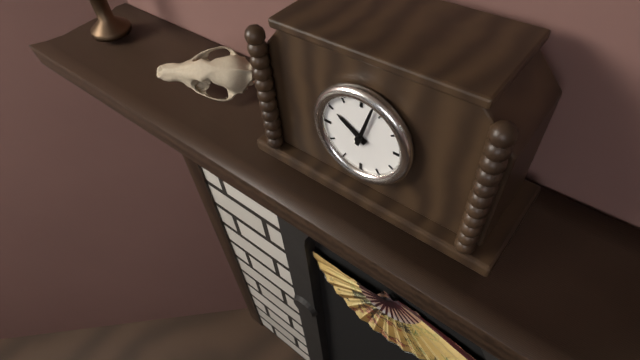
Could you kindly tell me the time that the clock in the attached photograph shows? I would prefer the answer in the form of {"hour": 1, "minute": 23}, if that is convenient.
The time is {"hour": 10, "minute": 3}
